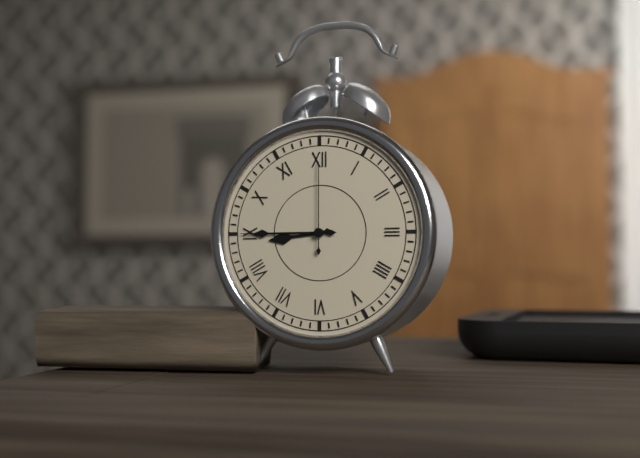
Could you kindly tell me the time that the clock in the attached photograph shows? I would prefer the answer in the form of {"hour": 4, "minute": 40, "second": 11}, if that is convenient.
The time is {"hour": 8, "minute": 45, "second": 0}
